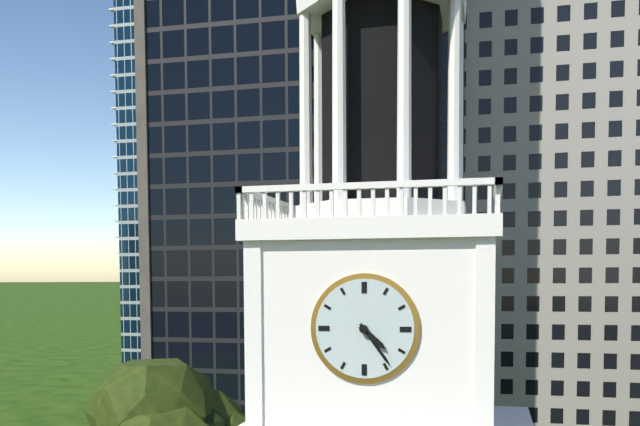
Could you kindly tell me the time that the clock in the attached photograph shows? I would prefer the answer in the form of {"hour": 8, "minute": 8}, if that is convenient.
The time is {"hour": 4, "minute": 24}
